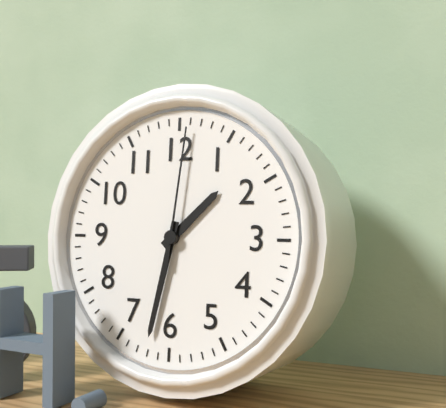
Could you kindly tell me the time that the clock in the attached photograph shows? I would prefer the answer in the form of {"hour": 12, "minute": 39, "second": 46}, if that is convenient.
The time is {"hour": 1, "minute": 32, "second": 1}
